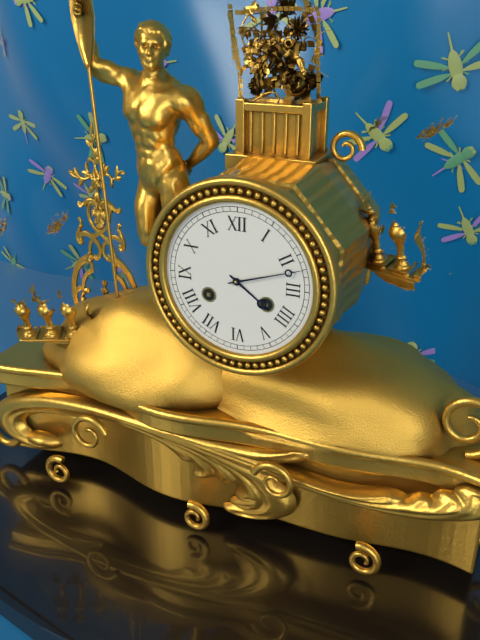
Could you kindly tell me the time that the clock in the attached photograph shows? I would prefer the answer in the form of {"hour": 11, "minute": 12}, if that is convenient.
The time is {"hour": 4, "minute": 12}
